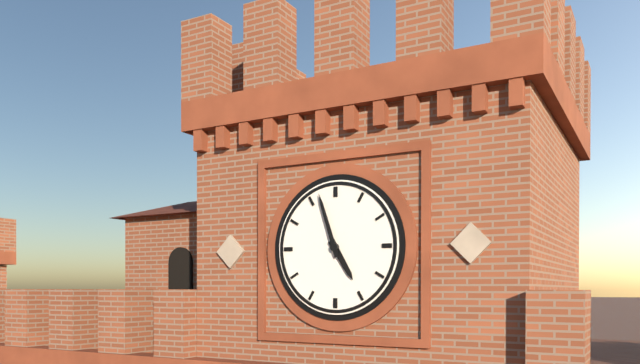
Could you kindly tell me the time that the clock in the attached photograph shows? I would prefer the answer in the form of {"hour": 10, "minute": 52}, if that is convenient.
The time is {"hour": 4, "minute": 57}
